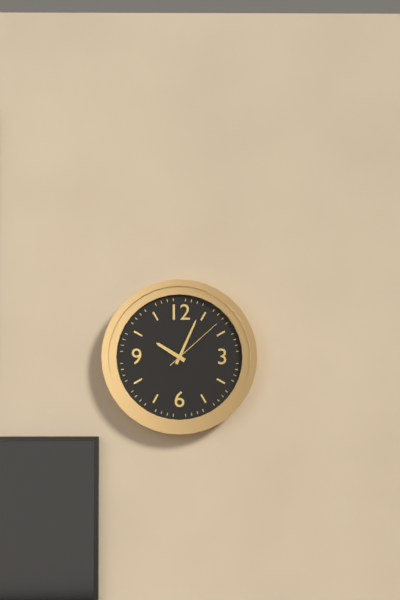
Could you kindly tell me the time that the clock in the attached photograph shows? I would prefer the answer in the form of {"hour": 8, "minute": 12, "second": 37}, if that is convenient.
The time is {"hour": 10, "minute": 4, "second": 8}
